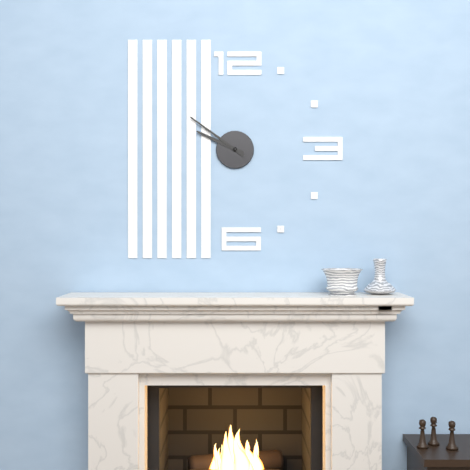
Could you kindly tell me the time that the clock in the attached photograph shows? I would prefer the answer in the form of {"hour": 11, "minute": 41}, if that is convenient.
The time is {"hour": 9, "minute": 51}
